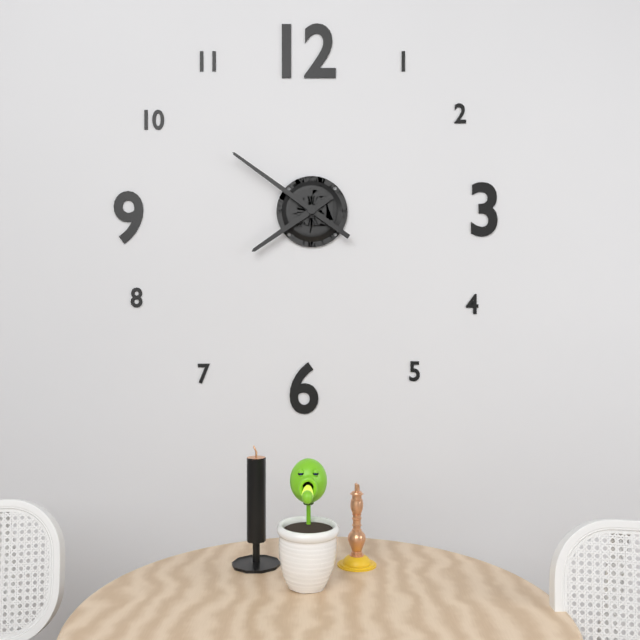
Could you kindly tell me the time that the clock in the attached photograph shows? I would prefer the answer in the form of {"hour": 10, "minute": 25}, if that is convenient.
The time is {"hour": 7, "minute": 51}
